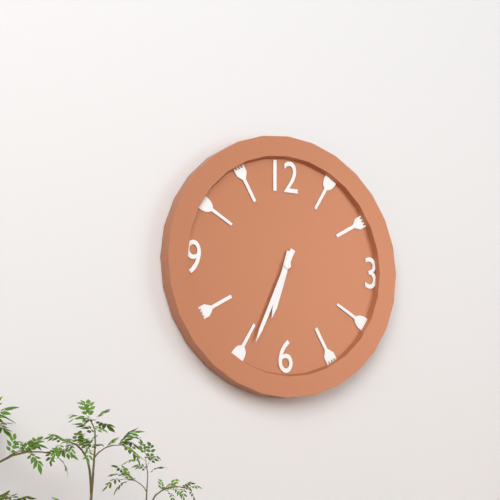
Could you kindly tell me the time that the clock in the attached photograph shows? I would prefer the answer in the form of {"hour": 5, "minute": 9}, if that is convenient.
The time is {"hour": 6, "minute": 34}
